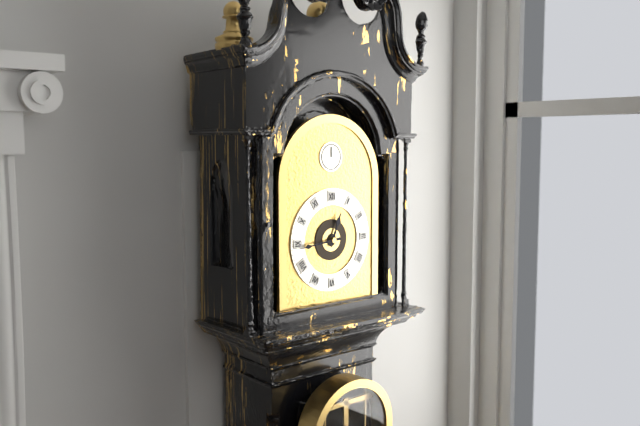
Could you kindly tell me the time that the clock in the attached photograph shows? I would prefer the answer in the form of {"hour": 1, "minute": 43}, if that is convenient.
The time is {"hour": 12, "minute": 44}
